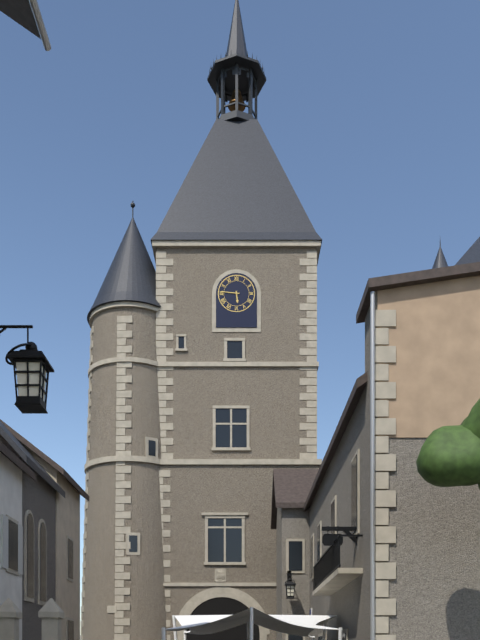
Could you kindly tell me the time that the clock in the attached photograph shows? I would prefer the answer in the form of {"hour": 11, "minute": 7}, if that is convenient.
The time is {"hour": 5, "minute": 46}
